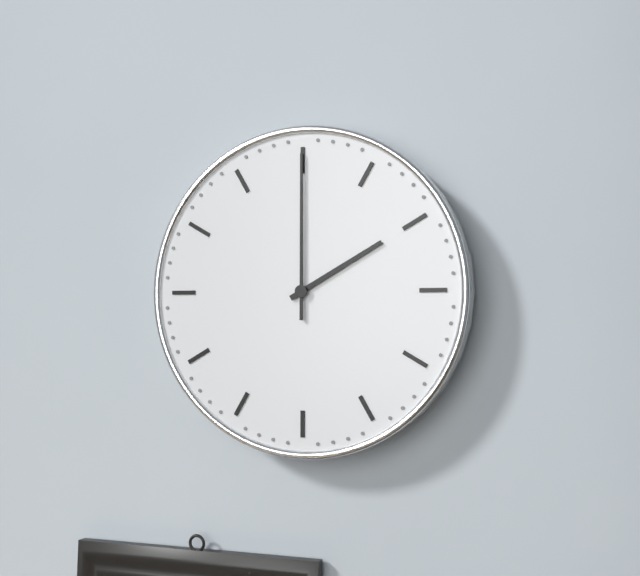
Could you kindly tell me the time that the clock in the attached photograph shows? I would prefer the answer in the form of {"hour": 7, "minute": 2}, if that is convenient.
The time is {"hour": 2, "minute": 0}
